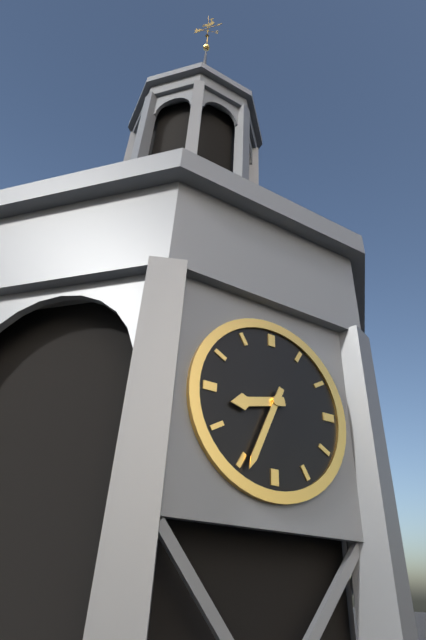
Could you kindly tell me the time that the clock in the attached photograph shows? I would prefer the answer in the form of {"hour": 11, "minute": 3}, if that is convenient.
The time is {"hour": 8, "minute": 34}
